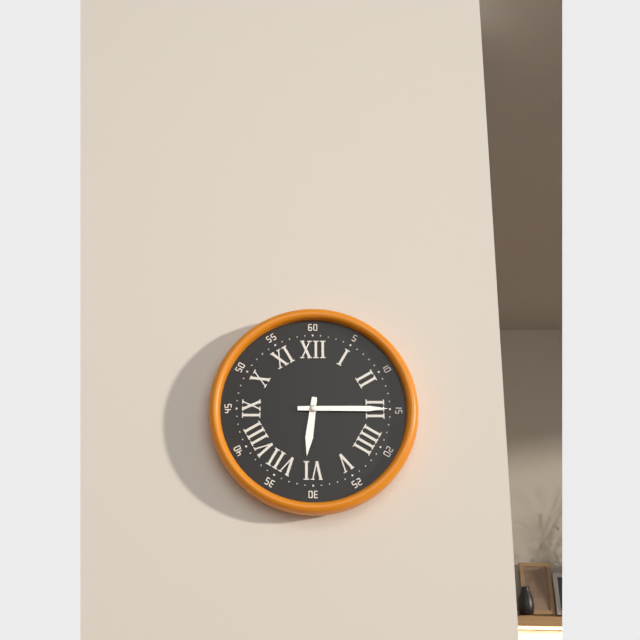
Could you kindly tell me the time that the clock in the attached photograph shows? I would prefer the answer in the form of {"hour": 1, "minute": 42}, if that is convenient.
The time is {"hour": 6, "minute": 15}
